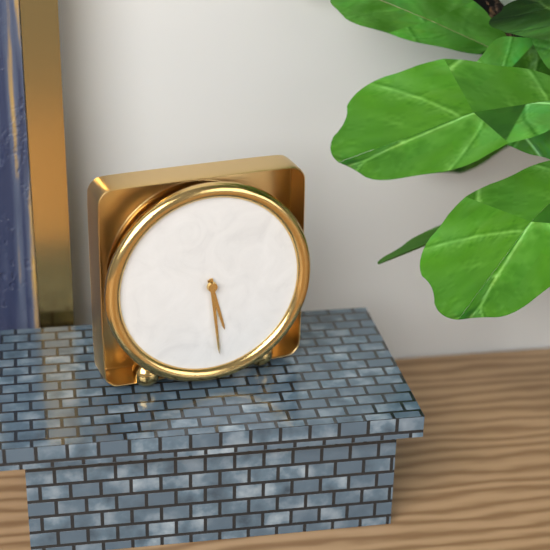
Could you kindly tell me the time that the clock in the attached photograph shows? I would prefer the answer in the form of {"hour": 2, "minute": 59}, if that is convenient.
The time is {"hour": 5, "minute": 29}
